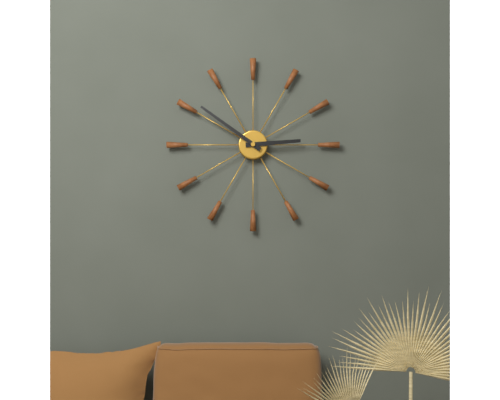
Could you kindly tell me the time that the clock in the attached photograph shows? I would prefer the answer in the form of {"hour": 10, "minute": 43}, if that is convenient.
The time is {"hour": 2, "minute": 51}
